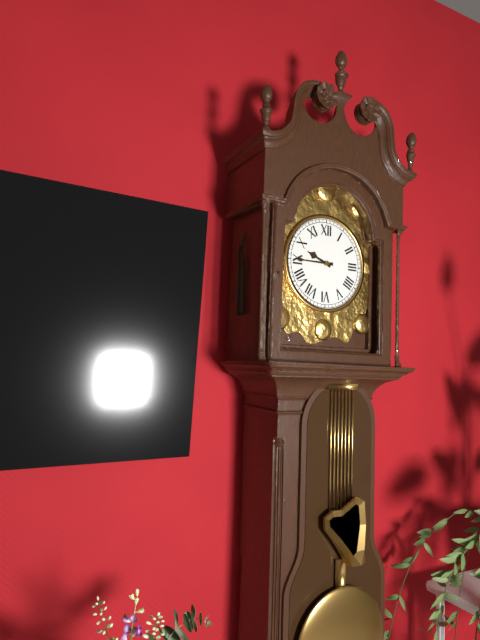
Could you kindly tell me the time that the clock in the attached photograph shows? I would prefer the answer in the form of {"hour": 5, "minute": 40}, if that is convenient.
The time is {"hour": 9, "minute": 45}
